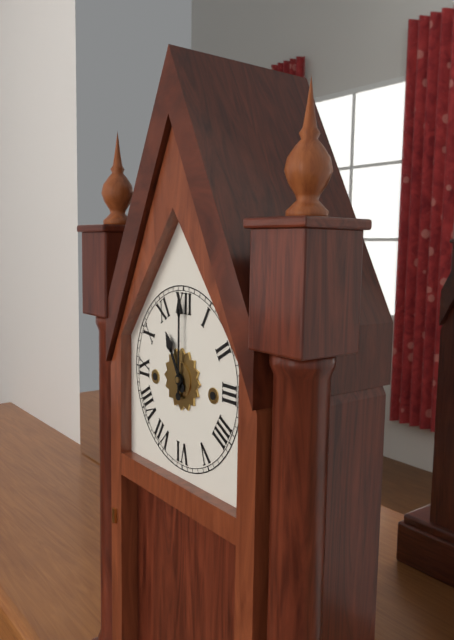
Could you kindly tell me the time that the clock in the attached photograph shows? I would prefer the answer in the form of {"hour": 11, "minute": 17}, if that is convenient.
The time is {"hour": 11, "minute": 0}
